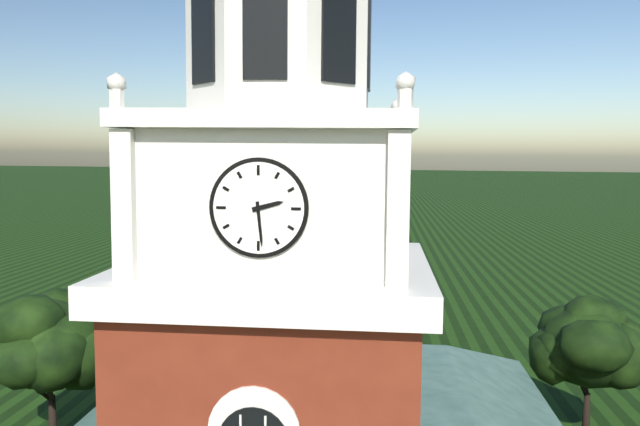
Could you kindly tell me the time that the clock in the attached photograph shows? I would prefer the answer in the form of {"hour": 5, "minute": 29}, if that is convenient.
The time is {"hour": 2, "minute": 29}
